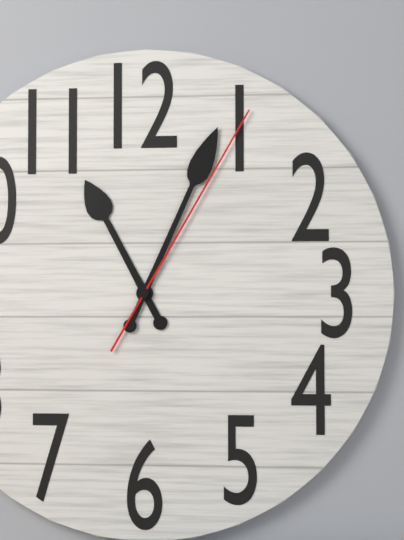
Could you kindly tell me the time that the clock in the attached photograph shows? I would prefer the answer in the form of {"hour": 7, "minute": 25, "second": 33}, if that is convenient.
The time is {"hour": 11, "minute": 4, "second": 5}
